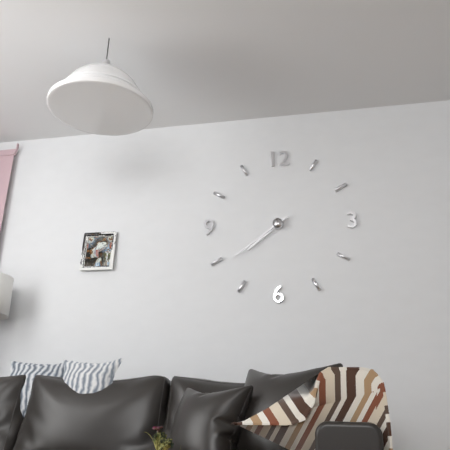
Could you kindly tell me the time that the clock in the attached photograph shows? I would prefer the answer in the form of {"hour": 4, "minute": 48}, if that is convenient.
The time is {"hour": 7, "minute": 39}
